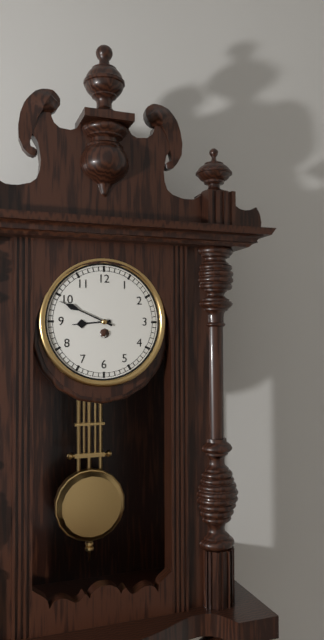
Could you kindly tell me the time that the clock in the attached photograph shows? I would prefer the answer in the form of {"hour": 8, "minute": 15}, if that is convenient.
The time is {"hour": 8, "minute": 49}
